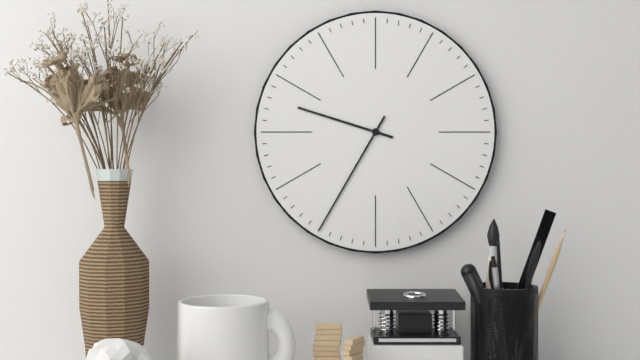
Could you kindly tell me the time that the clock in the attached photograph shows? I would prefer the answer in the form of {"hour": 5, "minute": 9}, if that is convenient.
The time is {"hour": 9, "minute": 35}
